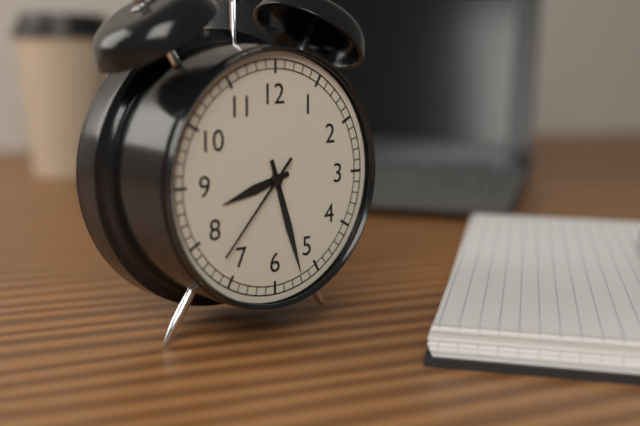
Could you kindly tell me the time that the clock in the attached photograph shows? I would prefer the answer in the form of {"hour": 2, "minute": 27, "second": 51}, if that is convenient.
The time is {"hour": 8, "minute": 27, "second": 37}
